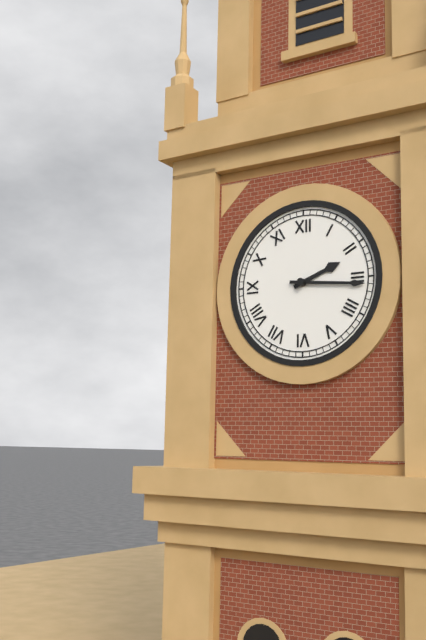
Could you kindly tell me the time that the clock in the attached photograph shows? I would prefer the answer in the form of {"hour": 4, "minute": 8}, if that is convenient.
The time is {"hour": 2, "minute": 16}
